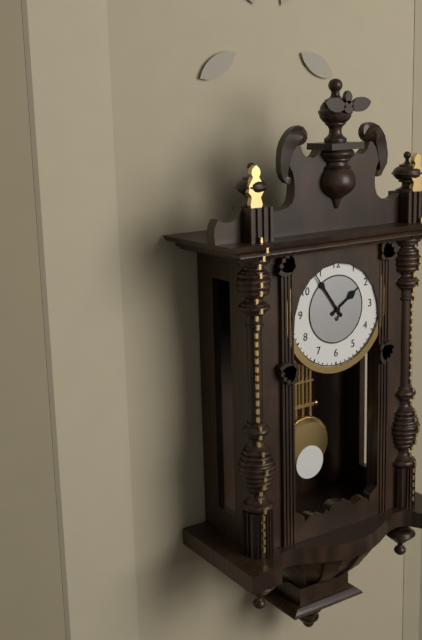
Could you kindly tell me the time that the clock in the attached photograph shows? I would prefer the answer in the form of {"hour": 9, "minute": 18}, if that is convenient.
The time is {"hour": 1, "minute": 54}
